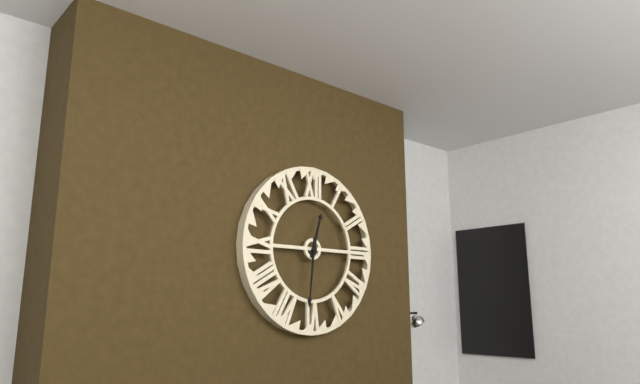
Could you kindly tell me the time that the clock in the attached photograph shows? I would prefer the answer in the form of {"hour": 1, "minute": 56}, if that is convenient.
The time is {"hour": 12, "minute": 31}
